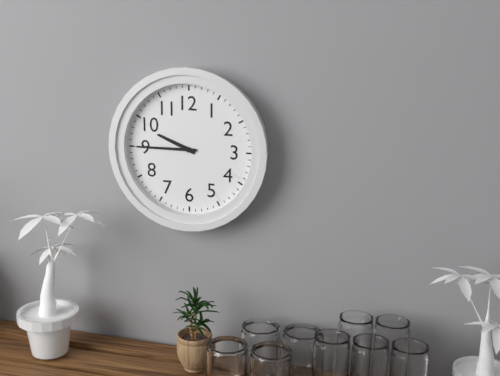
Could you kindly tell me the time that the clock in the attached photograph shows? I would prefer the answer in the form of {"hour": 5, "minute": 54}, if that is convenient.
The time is {"hour": 9, "minute": 45}
